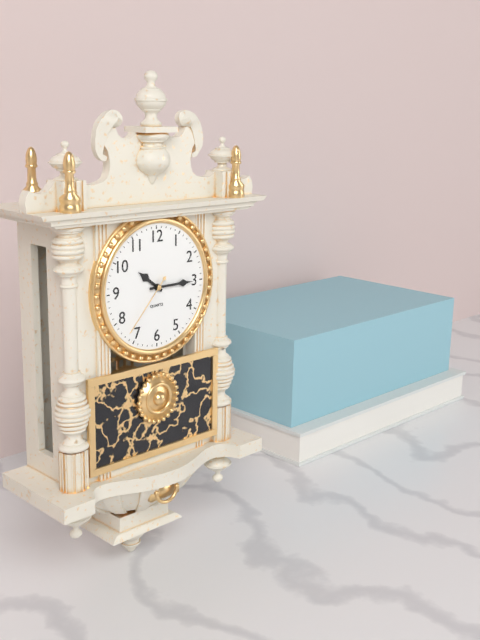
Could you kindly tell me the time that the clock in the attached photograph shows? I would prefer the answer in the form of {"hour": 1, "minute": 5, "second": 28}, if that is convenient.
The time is {"hour": 10, "minute": 15, "second": 37}
